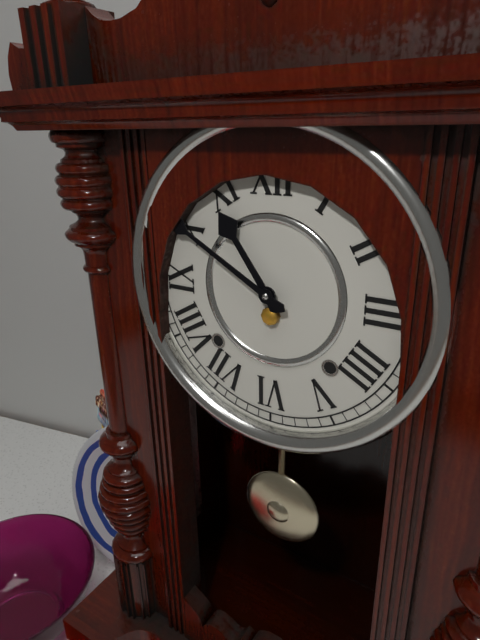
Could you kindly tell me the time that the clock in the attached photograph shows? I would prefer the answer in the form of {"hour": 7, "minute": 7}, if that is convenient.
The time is {"hour": 10, "minute": 50}
